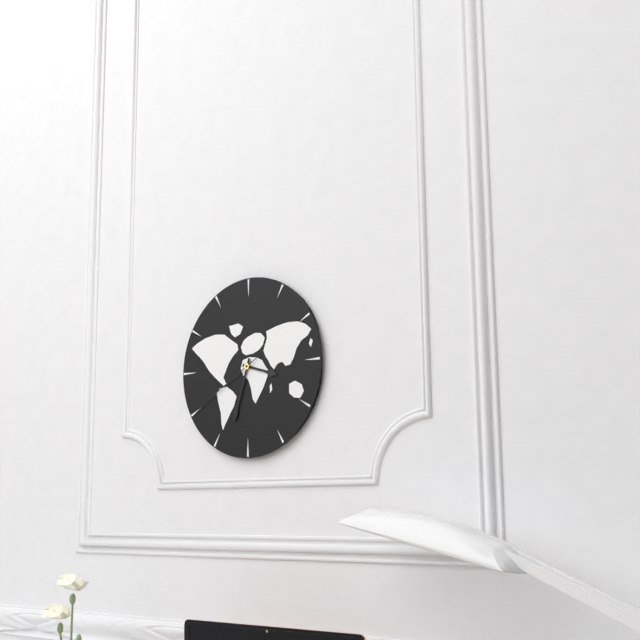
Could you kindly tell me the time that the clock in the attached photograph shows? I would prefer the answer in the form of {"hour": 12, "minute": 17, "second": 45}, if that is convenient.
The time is {"hour": 3, "minute": 33, "second": 40}
